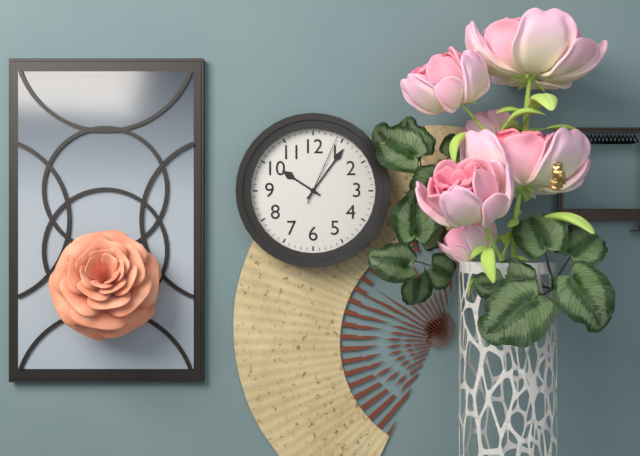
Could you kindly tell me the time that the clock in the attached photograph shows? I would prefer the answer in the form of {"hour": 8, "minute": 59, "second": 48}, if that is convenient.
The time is {"hour": 10, "minute": 6, "second": 4}
